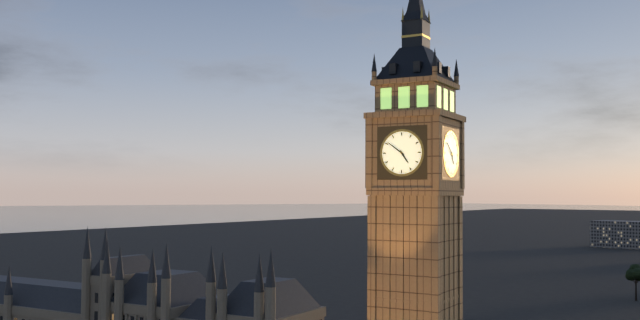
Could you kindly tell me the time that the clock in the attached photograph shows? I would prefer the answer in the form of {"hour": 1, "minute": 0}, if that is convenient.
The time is {"hour": 4, "minute": 51}
